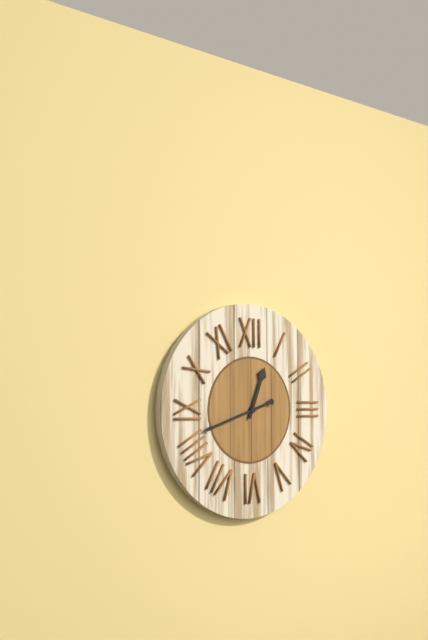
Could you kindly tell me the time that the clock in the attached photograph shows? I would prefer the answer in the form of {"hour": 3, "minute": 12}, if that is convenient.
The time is {"hour": 12, "minute": 42}
